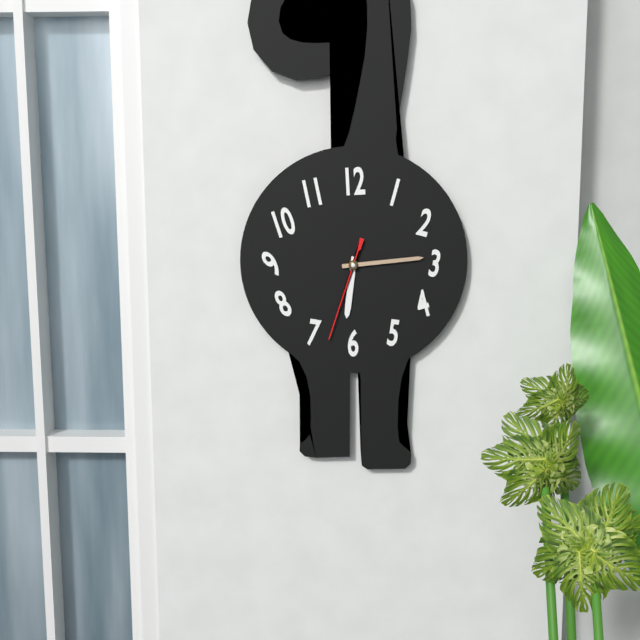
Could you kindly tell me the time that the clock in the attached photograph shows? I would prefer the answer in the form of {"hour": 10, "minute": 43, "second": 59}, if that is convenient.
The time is {"hour": 6, "minute": 14, "second": 33}
